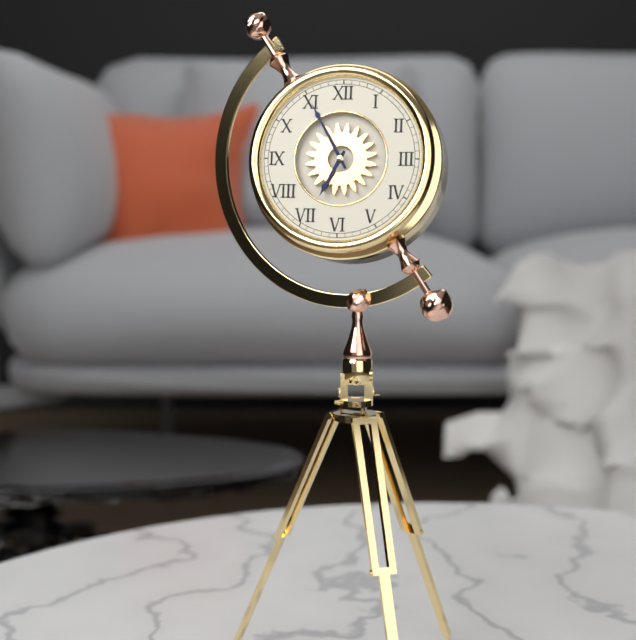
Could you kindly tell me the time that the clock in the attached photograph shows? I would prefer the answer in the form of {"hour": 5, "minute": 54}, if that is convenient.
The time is {"hour": 6, "minute": 55}
